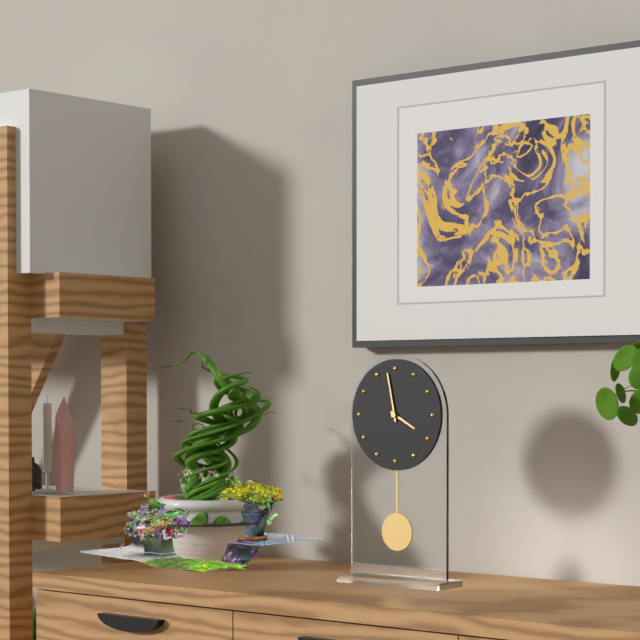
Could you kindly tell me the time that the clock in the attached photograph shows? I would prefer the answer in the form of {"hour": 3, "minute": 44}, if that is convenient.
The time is {"hour": 3, "minute": 58}
